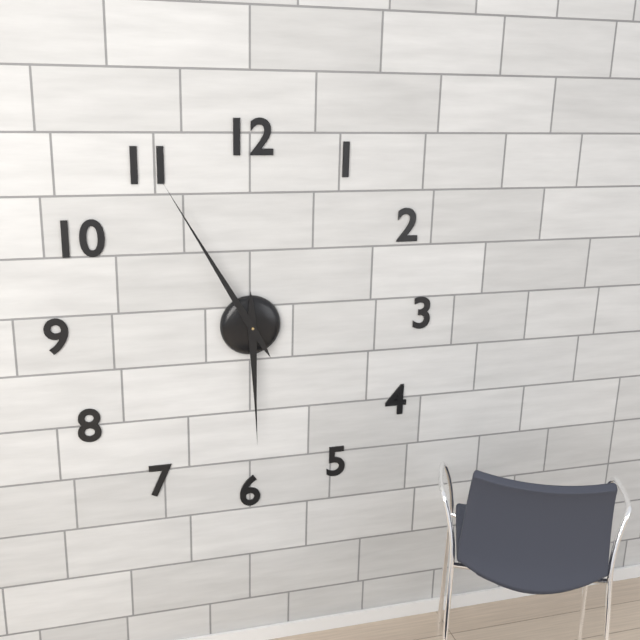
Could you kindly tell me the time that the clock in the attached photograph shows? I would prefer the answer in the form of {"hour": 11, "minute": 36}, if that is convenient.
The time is {"hour": 5, "minute": 55}
